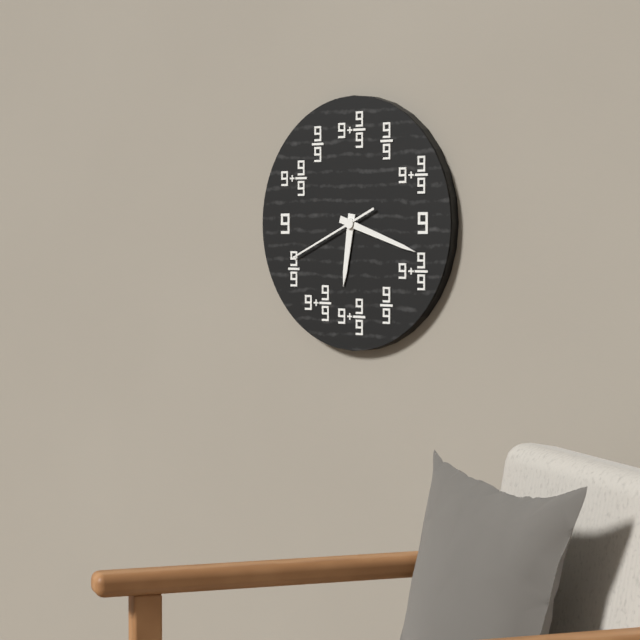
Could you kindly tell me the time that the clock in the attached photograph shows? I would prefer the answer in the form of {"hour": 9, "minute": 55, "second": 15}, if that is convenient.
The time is {"hour": 6, "minute": 18, "second": 41}
